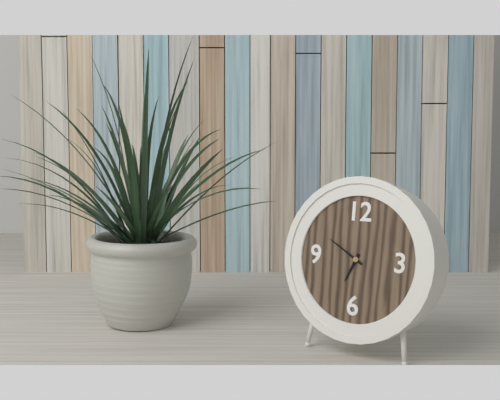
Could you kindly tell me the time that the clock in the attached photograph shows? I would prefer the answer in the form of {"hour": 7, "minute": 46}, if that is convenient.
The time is {"hour": 6, "minute": 50}
